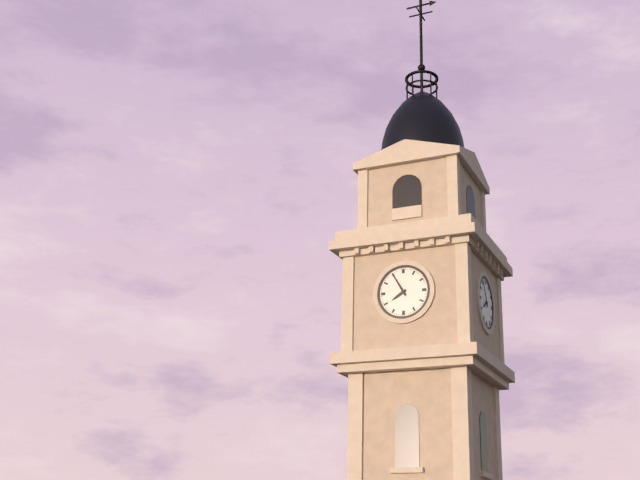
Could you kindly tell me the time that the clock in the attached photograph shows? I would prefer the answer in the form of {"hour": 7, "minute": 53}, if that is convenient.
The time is {"hour": 7, "minute": 55}
